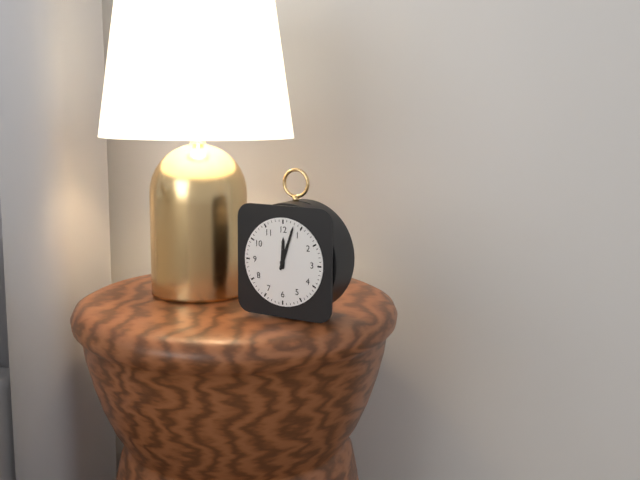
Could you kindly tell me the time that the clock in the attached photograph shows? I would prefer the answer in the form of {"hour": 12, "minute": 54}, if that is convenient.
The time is {"hour": 12, "minute": 3}
